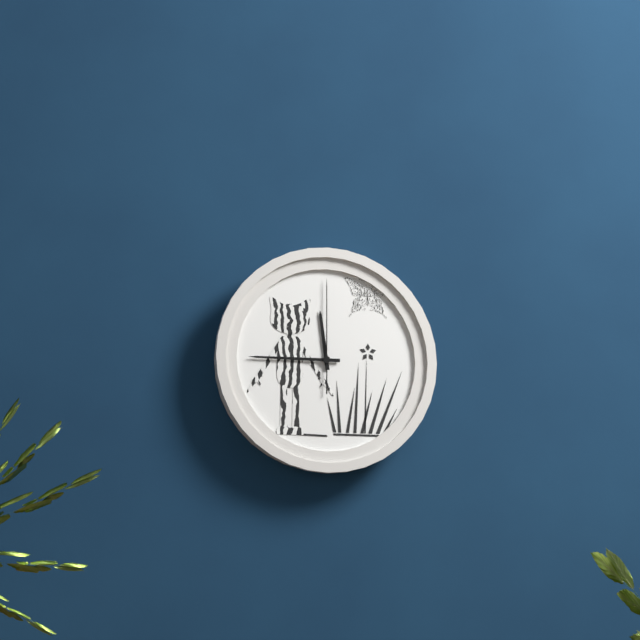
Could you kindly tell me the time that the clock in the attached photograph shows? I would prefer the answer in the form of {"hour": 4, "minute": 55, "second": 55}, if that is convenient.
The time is {"hour": 11, "minute": 45, "second": 0}
